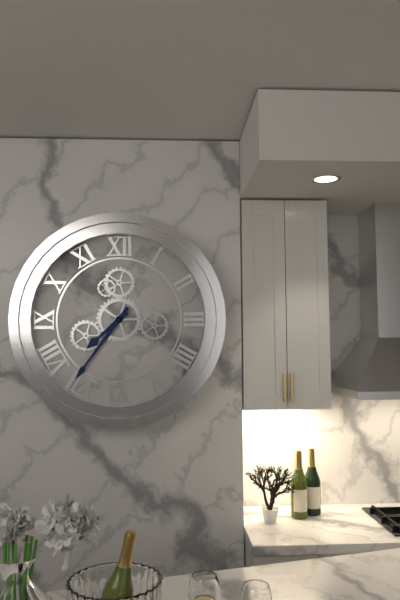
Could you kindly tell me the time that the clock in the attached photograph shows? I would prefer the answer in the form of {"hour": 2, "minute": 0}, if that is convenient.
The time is {"hour": 7, "minute": 36}
